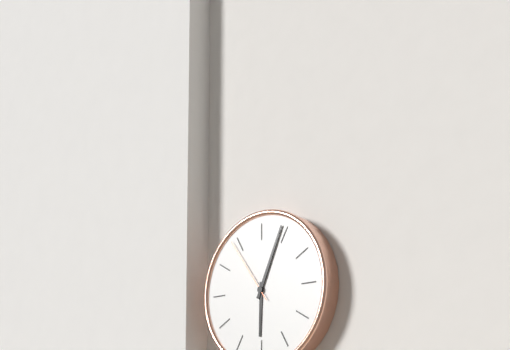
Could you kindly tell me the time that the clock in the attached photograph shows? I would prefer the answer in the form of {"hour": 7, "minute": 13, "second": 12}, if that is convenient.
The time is {"hour": 6, "minute": 4, "second": 54}
